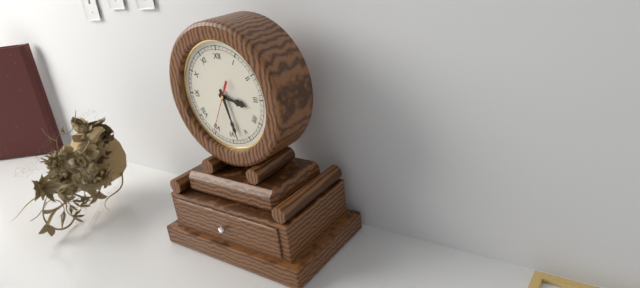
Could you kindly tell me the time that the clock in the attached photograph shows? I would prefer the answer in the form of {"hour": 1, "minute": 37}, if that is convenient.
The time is {"hour": 3, "minute": 28}
